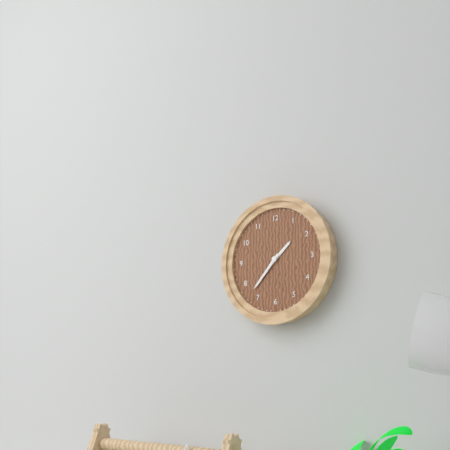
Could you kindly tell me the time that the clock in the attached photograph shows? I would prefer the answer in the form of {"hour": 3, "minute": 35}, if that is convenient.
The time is {"hour": 1, "minute": 37}
